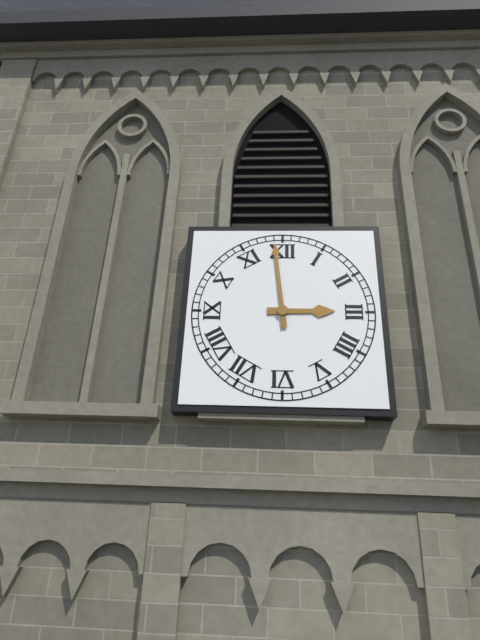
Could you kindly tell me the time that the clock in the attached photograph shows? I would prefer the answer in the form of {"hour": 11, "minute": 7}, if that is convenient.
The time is {"hour": 2, "minute": 59}
